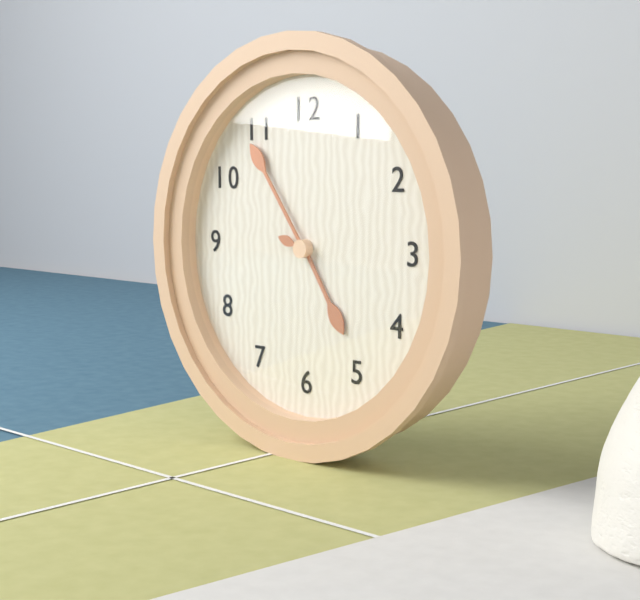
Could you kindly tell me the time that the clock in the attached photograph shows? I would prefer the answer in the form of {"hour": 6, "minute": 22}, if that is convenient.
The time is {"hour": 4, "minute": 54}
